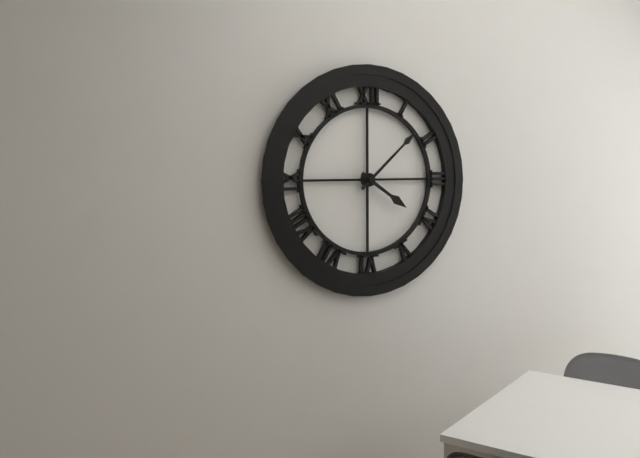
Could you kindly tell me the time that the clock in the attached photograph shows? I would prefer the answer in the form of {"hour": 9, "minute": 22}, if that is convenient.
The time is {"hour": 4, "minute": 8}
